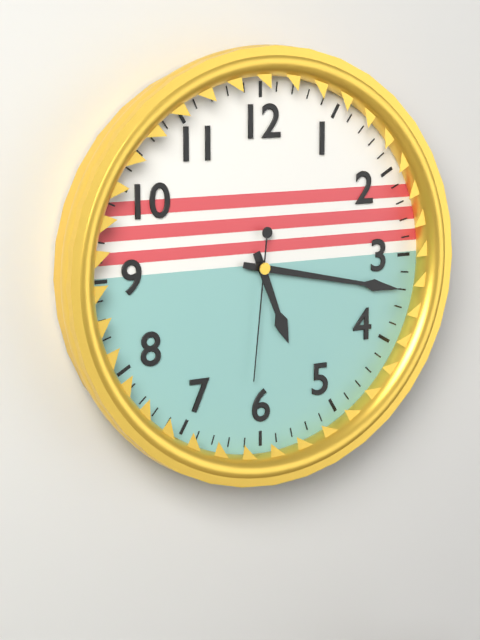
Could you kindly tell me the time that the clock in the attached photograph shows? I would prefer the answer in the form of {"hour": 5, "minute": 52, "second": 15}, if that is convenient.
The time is {"hour": 5, "minute": 17, "second": 31}
